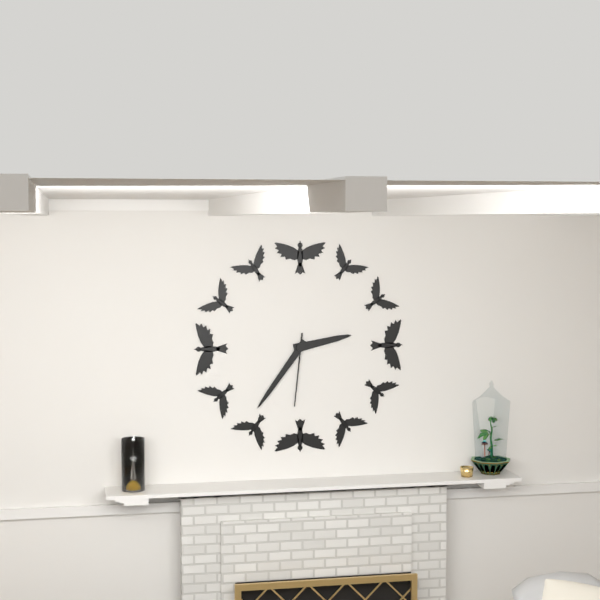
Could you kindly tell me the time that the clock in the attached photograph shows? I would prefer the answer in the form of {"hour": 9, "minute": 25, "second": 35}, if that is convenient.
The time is {"hour": 2, "minute": 36, "second": 31}
